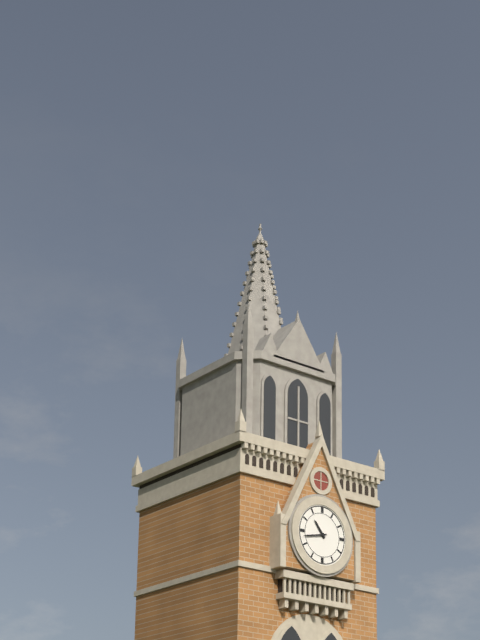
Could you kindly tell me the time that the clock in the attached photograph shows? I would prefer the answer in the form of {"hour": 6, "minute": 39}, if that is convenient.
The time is {"hour": 10, "minute": 43}
